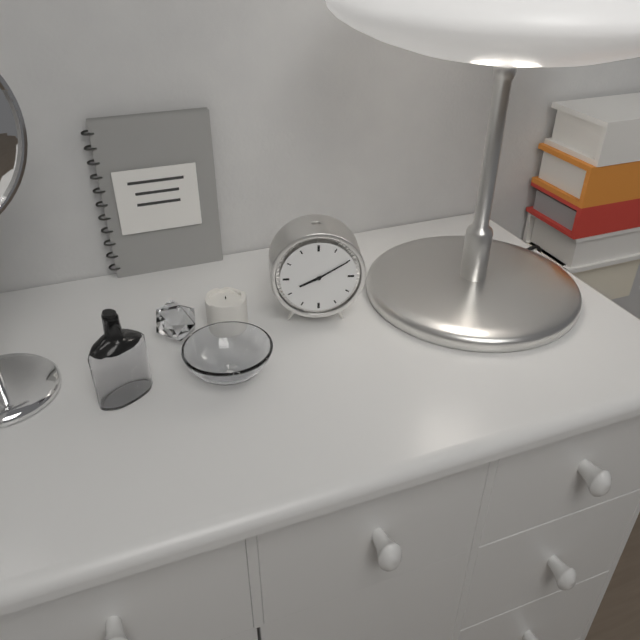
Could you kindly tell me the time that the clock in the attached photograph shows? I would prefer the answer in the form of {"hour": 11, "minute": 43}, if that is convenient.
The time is {"hour": 8, "minute": 10}
